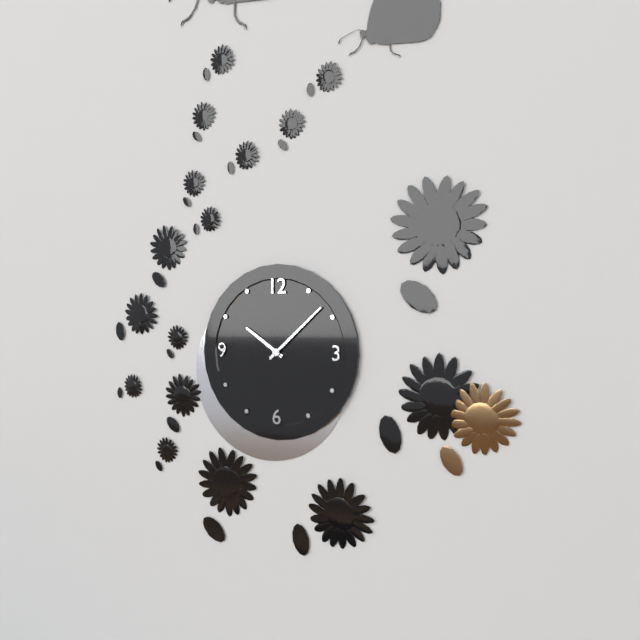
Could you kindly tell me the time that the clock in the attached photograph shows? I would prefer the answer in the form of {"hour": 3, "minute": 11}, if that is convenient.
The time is {"hour": 10, "minute": 8}
